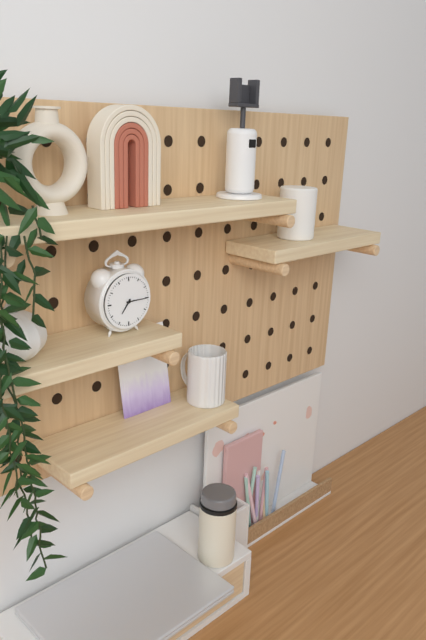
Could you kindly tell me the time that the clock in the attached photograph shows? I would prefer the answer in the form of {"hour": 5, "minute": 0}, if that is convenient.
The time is {"hour": 7, "minute": 15}
